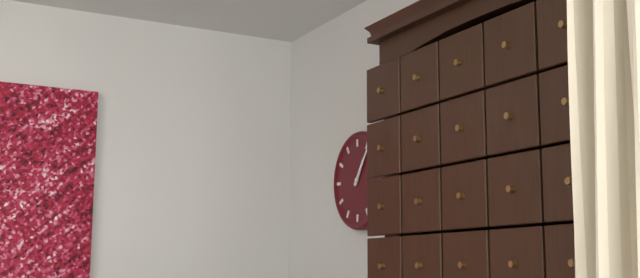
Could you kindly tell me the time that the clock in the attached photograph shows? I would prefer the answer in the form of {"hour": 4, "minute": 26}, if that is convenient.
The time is {"hour": 1, "minute": 6}
